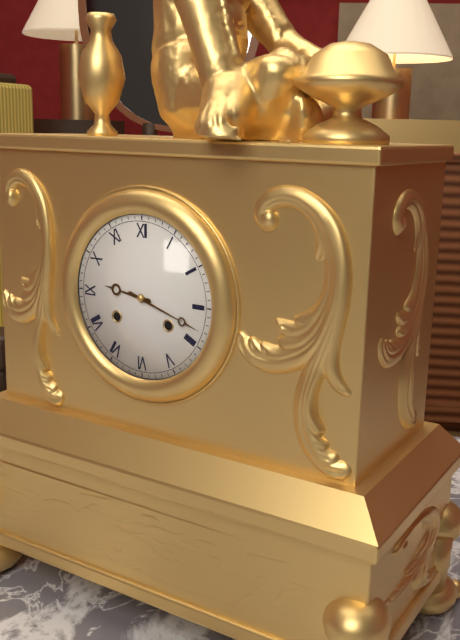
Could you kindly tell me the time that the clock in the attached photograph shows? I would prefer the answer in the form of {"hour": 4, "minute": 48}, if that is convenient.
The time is {"hour": 9, "minute": 18}
